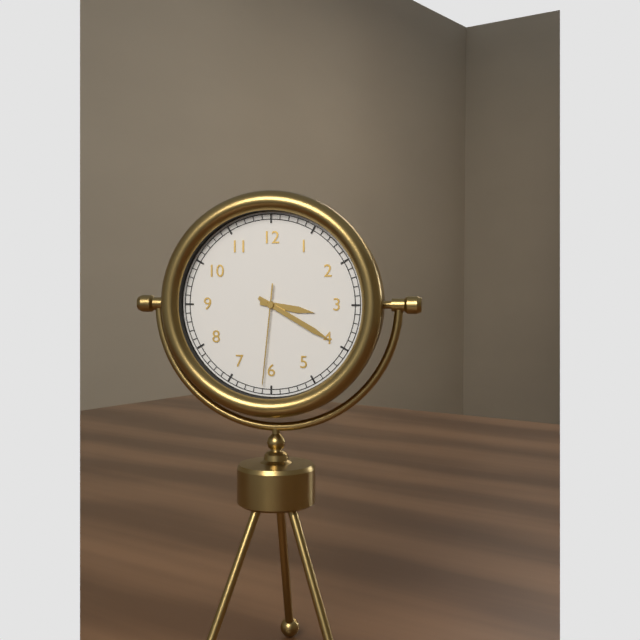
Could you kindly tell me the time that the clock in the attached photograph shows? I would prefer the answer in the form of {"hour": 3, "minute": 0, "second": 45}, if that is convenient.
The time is {"hour": 3, "minute": 20, "second": 31}
